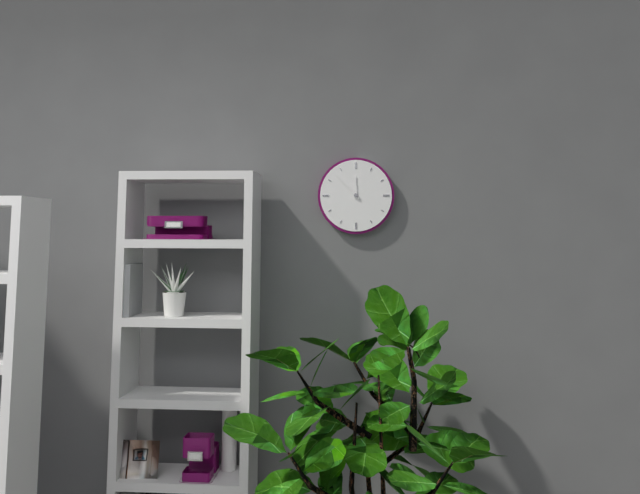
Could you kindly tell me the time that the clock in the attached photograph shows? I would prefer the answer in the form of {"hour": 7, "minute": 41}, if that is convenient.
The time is {"hour": 11, "minute": 53}
